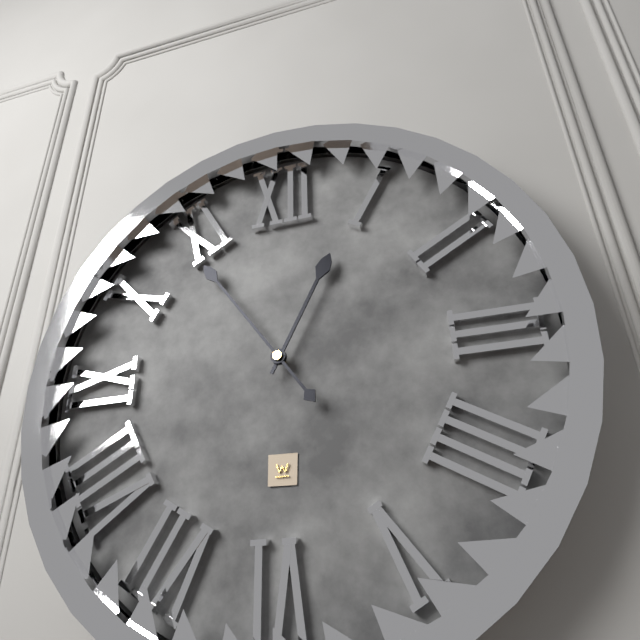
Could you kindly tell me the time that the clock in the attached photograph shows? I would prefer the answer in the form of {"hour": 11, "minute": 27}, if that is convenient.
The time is {"hour": 12, "minute": 54}
